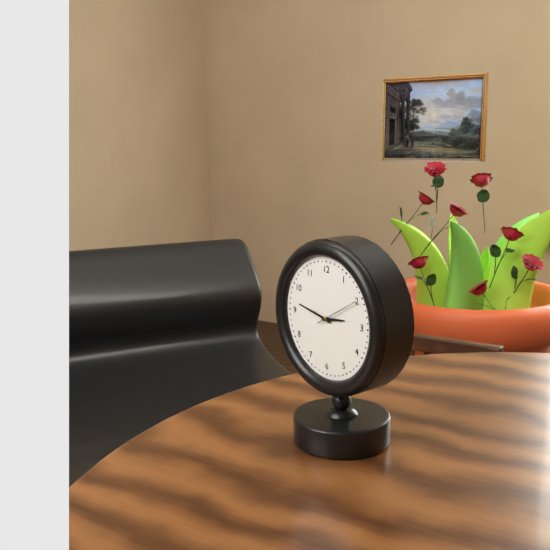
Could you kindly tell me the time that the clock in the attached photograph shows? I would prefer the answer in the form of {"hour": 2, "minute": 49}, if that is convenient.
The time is {"hour": 2, "minute": 47}
